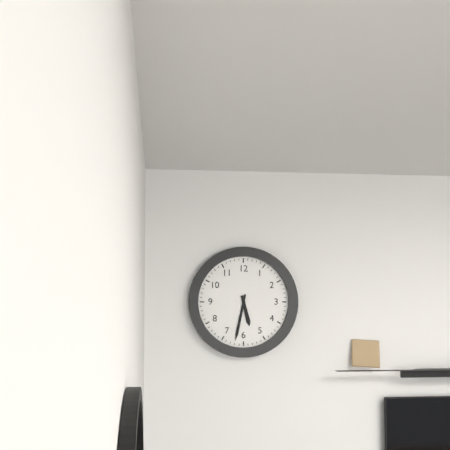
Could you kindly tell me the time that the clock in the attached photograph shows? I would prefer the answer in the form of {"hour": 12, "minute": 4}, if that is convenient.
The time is {"hour": 5, "minute": 32}
